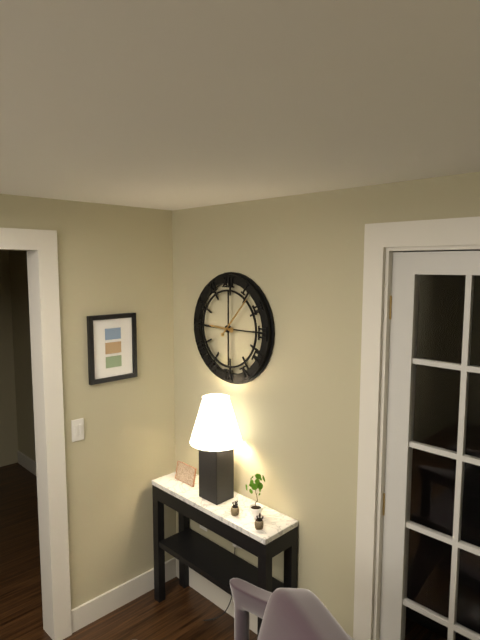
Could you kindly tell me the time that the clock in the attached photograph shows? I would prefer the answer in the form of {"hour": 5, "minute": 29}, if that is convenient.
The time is {"hour": 9, "minute": 7}
